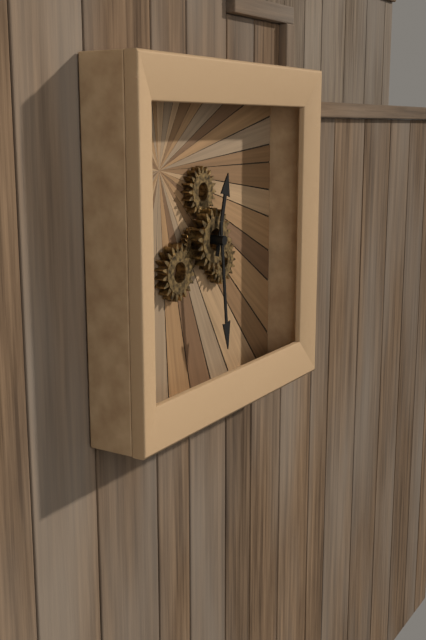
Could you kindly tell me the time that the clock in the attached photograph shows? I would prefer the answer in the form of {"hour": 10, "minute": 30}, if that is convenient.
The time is {"hour": 12, "minute": 29}
